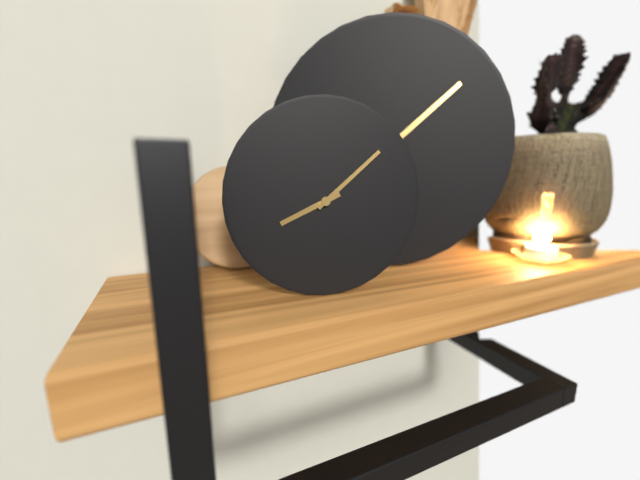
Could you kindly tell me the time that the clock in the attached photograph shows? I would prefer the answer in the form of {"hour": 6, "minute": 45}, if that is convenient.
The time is {"hour": 8, "minute": 8}
